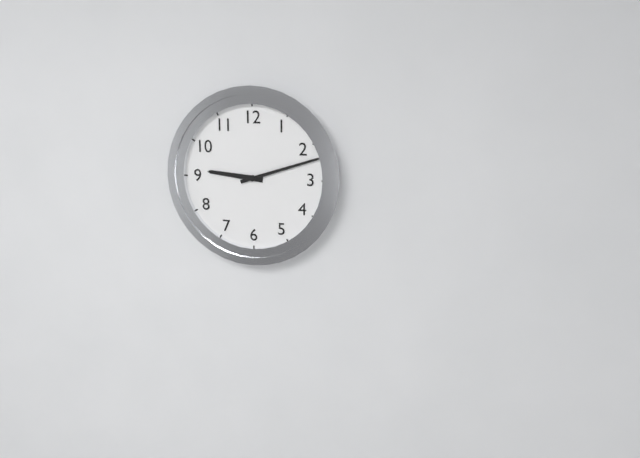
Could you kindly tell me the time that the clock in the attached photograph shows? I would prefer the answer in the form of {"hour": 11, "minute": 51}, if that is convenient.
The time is {"hour": 9, "minute": 12}
